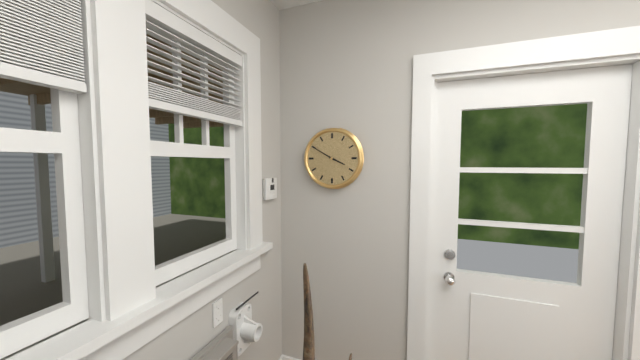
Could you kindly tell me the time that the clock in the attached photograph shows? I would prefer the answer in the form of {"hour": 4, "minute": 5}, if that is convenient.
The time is {"hour": 3, "minute": 50}
